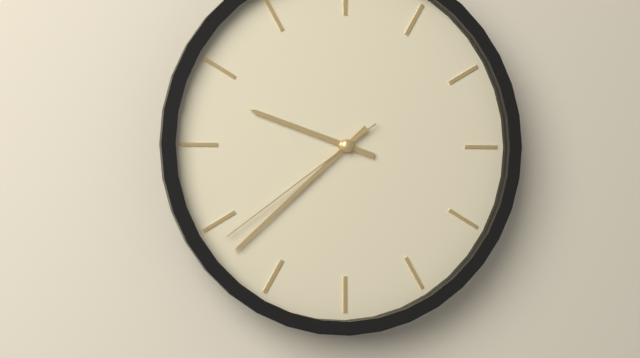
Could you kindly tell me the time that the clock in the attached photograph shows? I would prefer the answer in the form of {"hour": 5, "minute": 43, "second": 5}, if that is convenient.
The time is {"hour": 9, "minute": 38, "second": 39}
